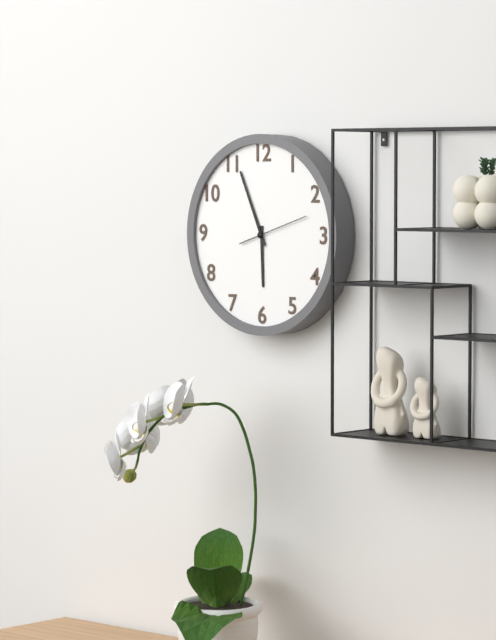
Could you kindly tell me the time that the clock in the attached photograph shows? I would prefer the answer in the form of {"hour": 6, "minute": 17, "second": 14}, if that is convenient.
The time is {"hour": 5, "minute": 56, "second": 12}
